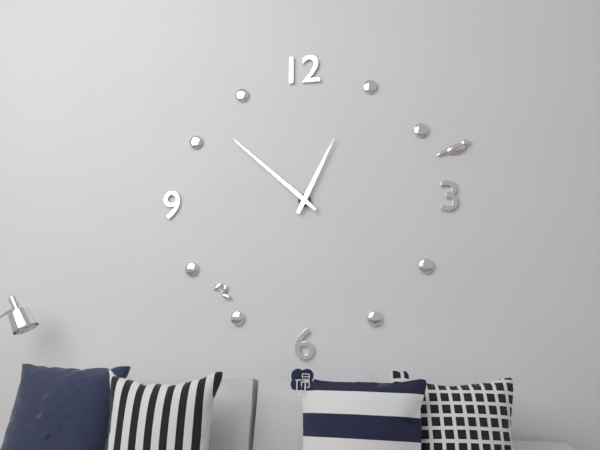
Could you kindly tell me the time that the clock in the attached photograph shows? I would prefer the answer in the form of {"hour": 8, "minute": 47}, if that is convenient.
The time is {"hour": 12, "minute": 52}
